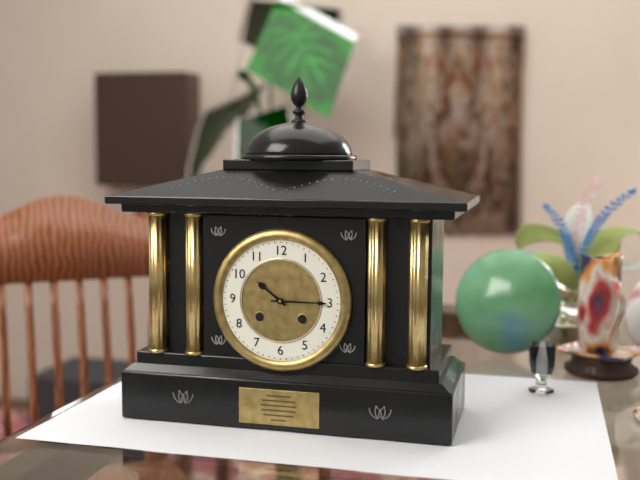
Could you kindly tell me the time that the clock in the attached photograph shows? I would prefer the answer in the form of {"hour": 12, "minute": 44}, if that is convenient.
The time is {"hour": 10, "minute": 15}
